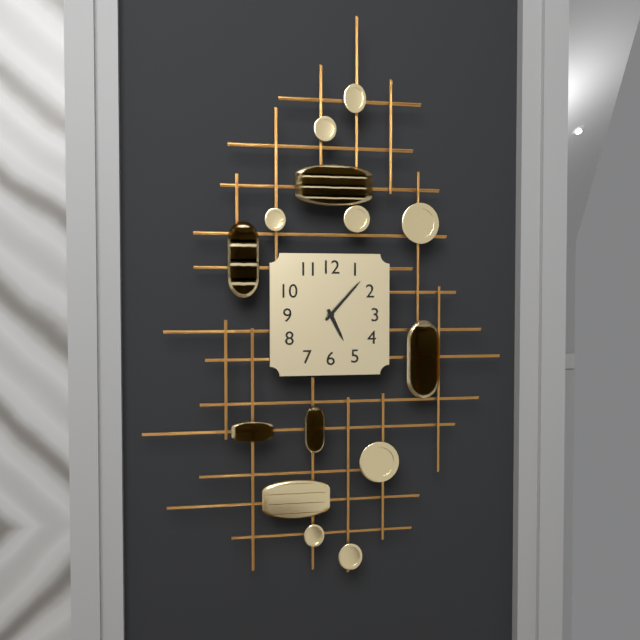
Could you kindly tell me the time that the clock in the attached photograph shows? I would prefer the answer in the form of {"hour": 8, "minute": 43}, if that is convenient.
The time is {"hour": 5, "minute": 7}
